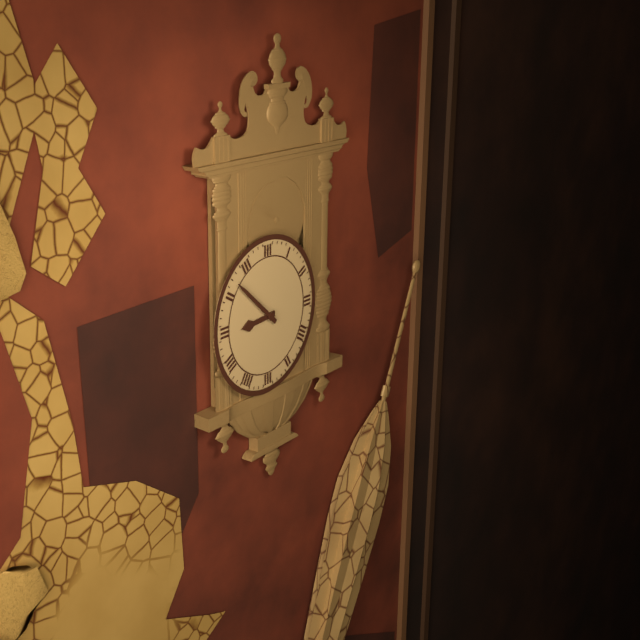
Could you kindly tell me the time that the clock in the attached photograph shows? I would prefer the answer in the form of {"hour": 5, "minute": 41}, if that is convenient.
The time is {"hour": 8, "minute": 52}
